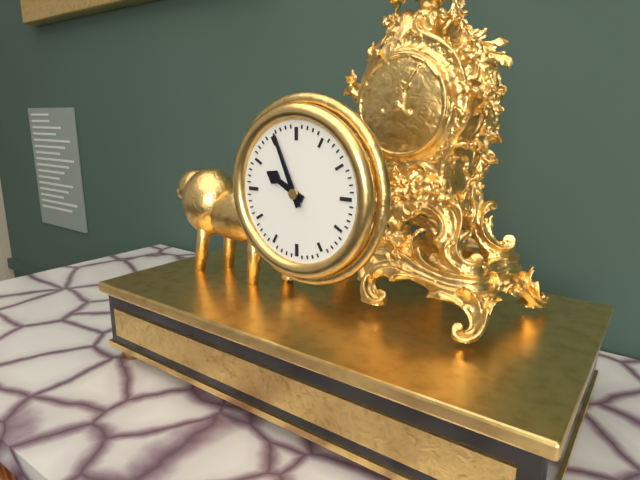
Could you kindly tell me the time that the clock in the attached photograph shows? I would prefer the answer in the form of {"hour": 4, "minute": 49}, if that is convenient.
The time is {"hour": 9, "minute": 56}
